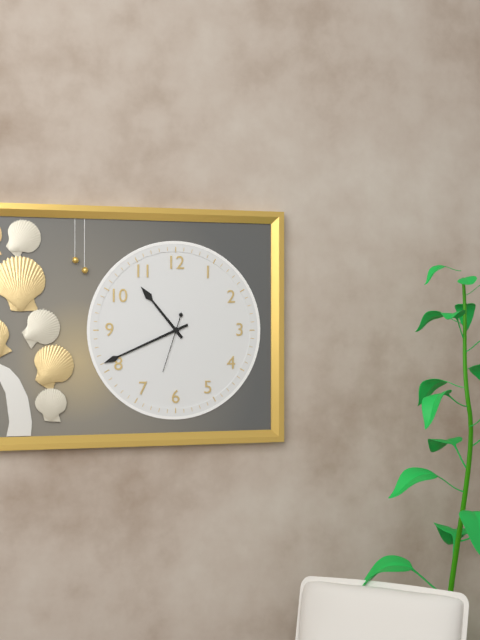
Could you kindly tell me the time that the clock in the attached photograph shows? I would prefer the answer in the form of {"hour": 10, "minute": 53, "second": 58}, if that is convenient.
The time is {"hour": 10, "minute": 41, "second": 33}
